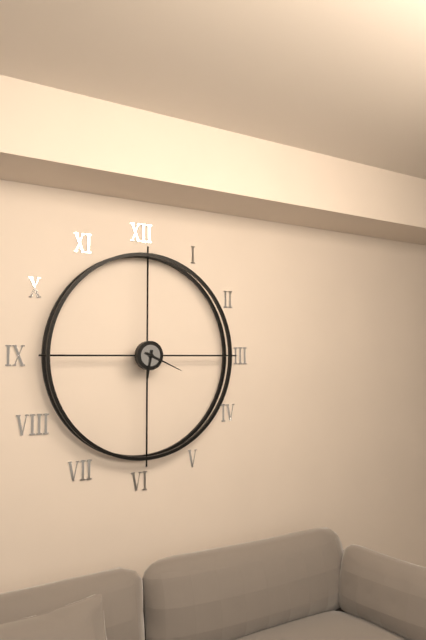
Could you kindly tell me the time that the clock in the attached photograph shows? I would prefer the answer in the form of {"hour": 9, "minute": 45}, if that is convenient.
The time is {"hour": 6, "minute": 19}
